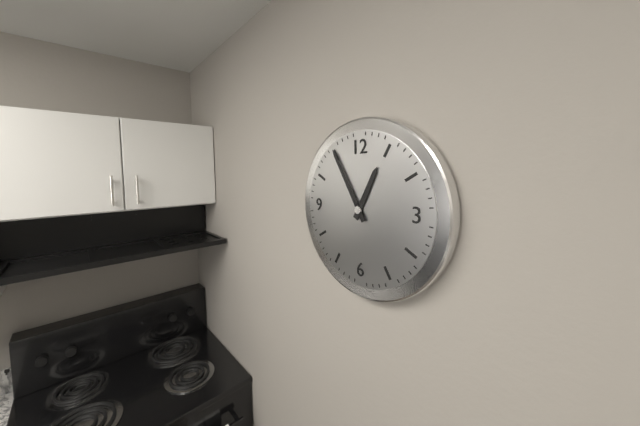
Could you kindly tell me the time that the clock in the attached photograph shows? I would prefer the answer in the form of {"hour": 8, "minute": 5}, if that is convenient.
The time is {"hour": 12, "minute": 55}
